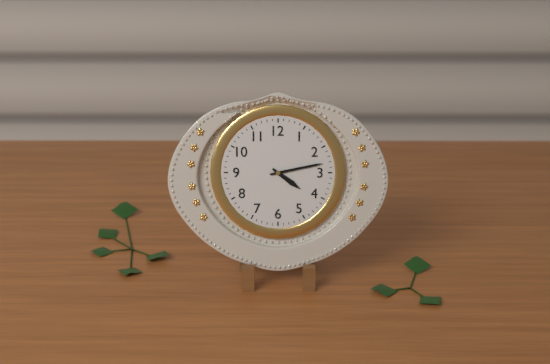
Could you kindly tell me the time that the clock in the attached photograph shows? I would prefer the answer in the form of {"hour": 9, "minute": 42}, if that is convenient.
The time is {"hour": 4, "minute": 13}
